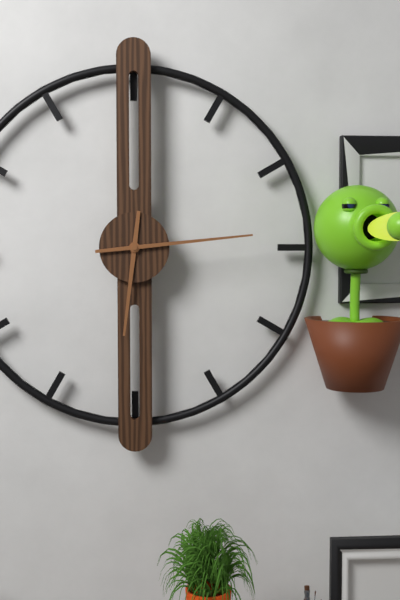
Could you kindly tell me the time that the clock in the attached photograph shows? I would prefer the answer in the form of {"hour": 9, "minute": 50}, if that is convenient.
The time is {"hour": 6, "minute": 14}
